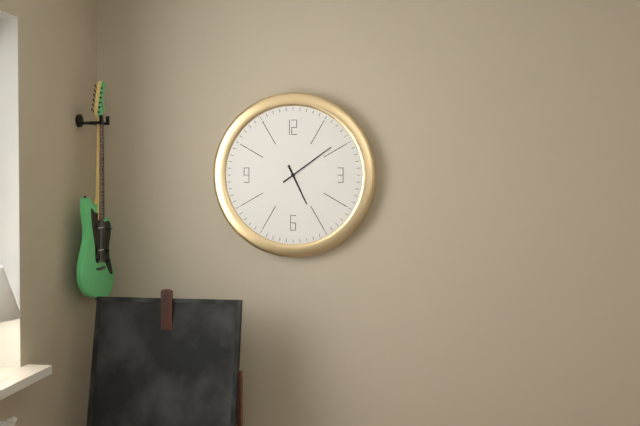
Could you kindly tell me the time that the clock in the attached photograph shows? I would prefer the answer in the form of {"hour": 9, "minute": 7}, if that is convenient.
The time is {"hour": 5, "minute": 9}
